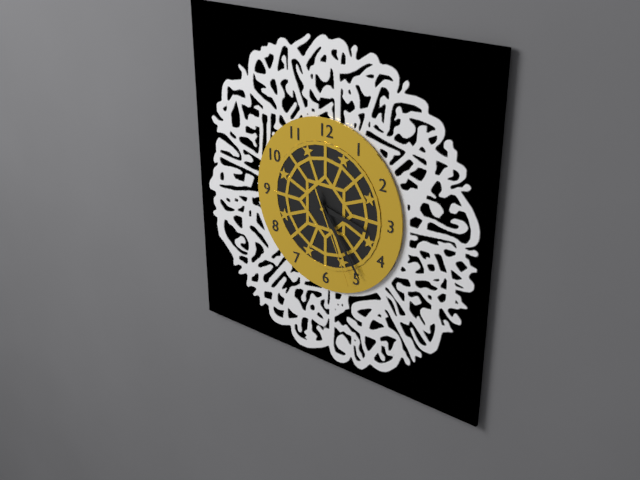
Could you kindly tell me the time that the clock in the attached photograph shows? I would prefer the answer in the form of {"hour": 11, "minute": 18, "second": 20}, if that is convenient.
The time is {"hour": 3, "minute": 24, "second": 26}
